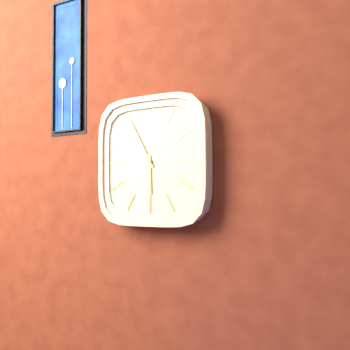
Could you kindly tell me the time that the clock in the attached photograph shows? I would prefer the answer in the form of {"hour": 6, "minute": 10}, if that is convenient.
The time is {"hour": 5, "minute": 55}
